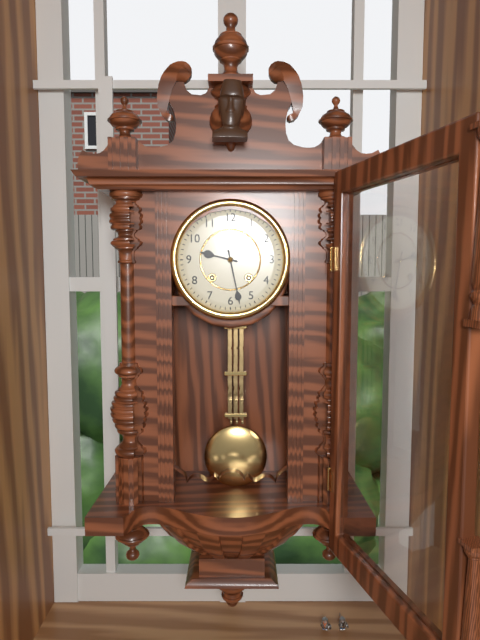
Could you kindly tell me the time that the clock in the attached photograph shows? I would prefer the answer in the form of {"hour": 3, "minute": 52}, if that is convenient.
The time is {"hour": 9, "minute": 28}
